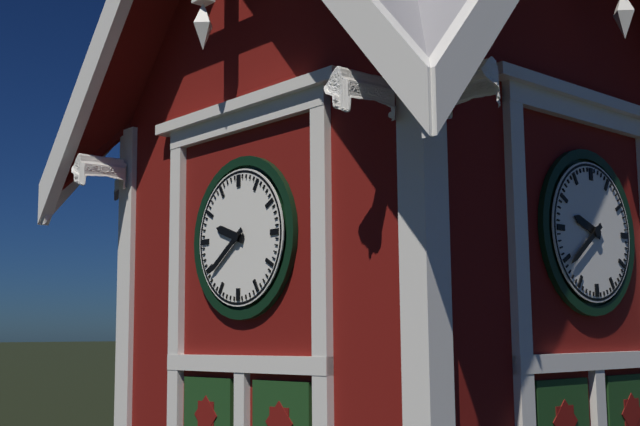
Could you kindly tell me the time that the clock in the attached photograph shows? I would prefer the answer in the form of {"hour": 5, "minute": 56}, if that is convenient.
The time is {"hour": 9, "minute": 39}
